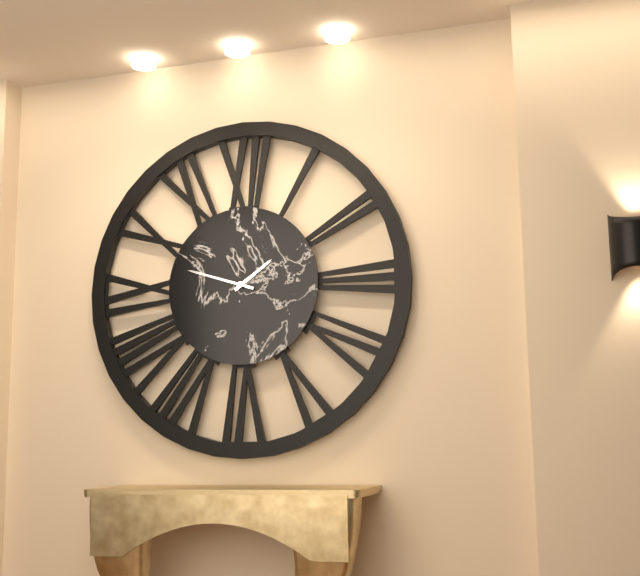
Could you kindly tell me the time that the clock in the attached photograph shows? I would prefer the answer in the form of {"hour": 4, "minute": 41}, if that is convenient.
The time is {"hour": 1, "minute": 48}
